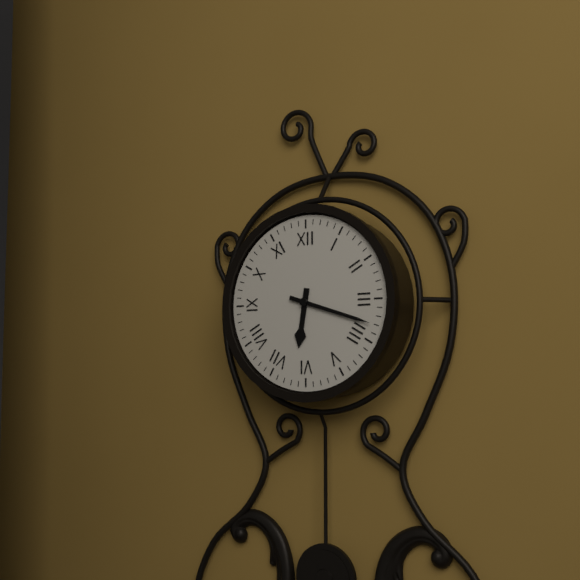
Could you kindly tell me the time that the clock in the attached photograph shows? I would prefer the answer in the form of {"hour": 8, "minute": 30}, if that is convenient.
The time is {"hour": 6, "minute": 18}
